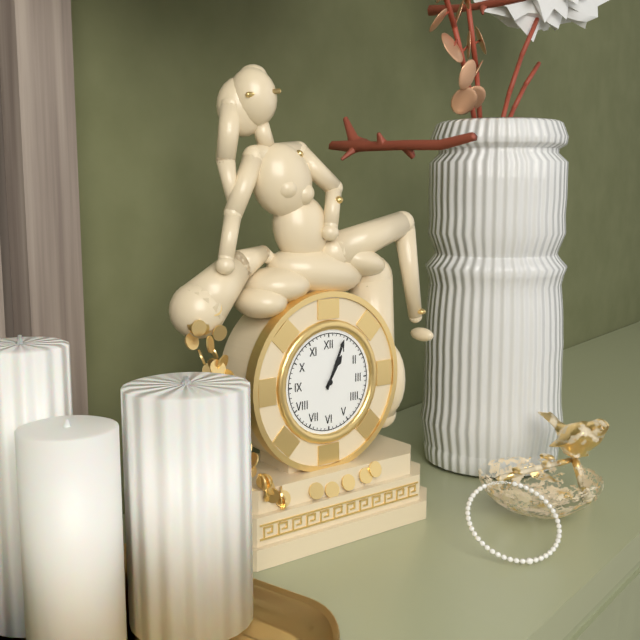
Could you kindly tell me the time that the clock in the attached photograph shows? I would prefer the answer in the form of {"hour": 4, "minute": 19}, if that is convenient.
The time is {"hour": 1, "minute": 4}
